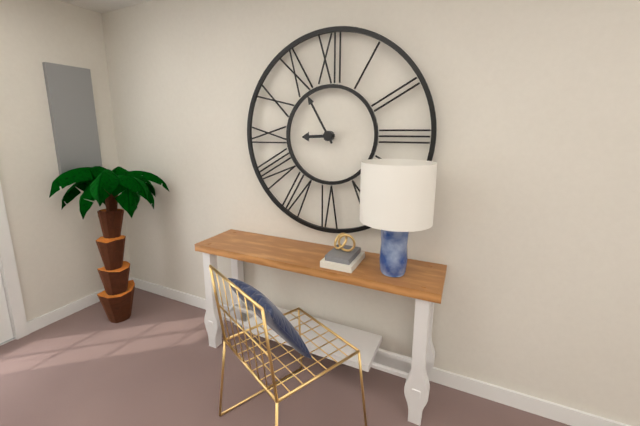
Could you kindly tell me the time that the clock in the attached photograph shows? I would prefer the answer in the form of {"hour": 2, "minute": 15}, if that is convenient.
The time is {"hour": 8, "minute": 55}
